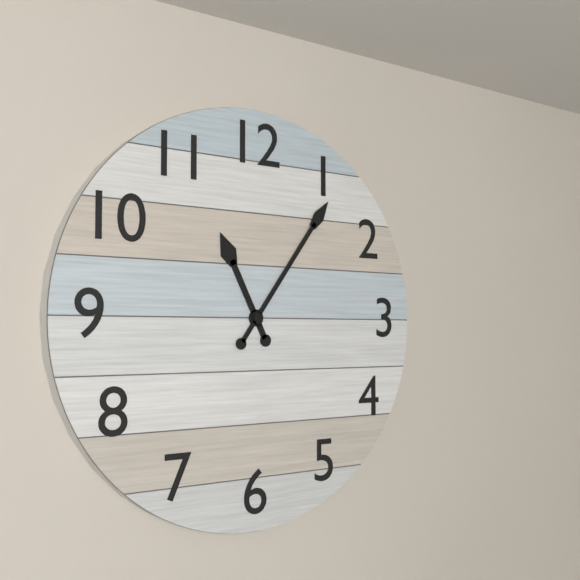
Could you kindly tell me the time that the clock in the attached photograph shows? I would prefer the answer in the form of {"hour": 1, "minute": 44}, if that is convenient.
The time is {"hour": 11, "minute": 6}
